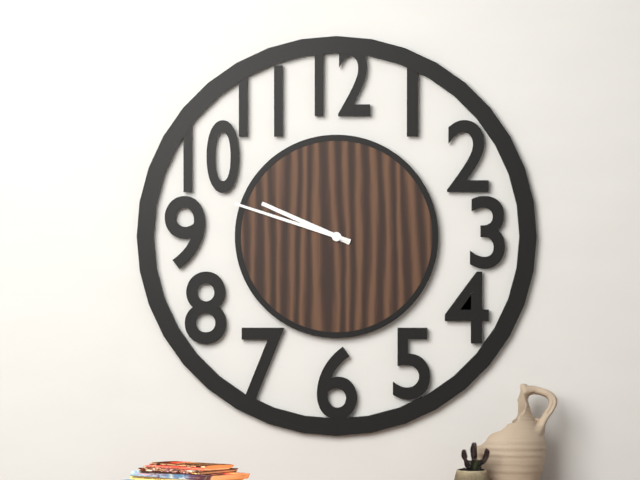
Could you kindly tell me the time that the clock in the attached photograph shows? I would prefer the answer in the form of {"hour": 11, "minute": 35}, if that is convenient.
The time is {"hour": 9, "minute": 48}
